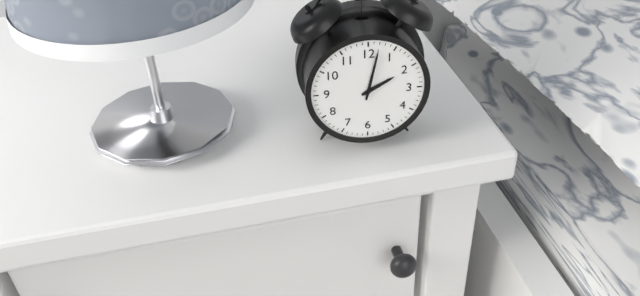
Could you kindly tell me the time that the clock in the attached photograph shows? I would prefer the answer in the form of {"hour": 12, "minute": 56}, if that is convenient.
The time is {"hour": 2, "minute": 2}
